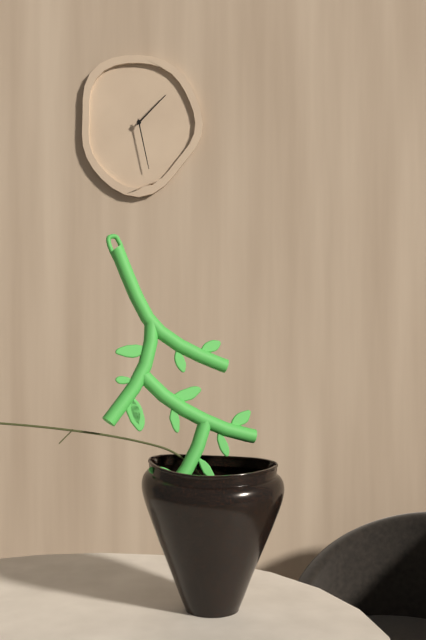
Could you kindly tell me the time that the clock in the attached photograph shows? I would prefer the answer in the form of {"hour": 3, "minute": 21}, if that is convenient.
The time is {"hour": 1, "minute": 28}
